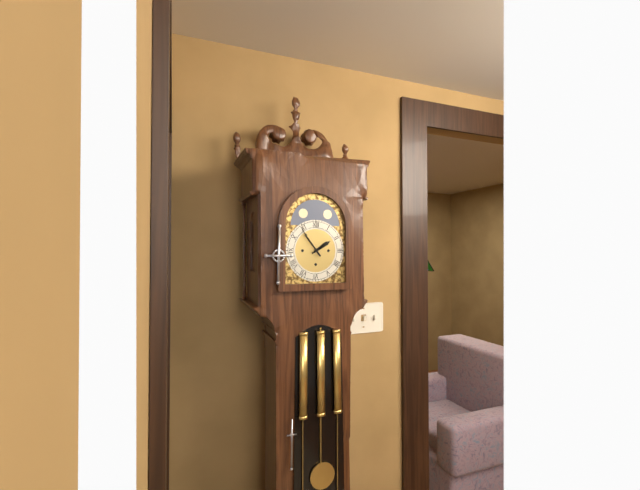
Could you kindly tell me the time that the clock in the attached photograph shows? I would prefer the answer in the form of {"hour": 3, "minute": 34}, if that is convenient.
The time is {"hour": 1, "minute": 54}
